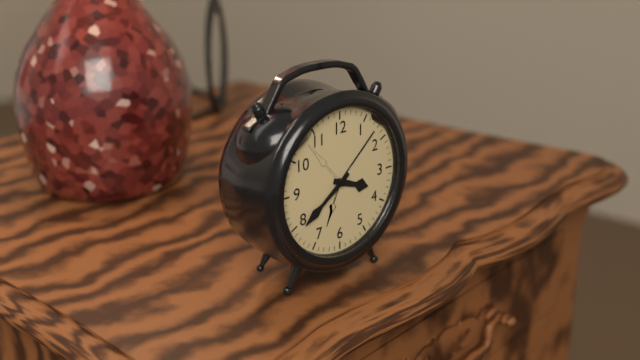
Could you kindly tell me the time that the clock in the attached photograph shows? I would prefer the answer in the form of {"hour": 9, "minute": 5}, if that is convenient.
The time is {"hour": 3, "minute": 39}
